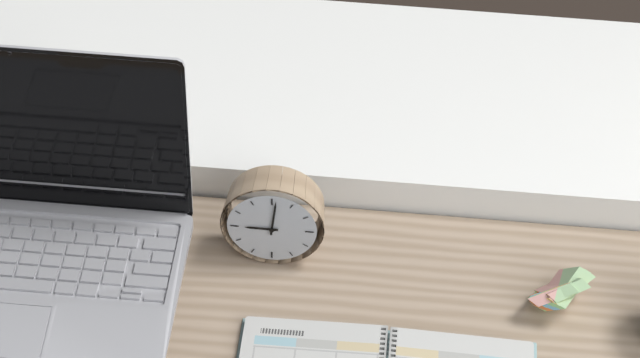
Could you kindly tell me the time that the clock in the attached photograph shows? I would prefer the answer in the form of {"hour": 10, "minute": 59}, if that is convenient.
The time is {"hour": 9, "minute": 1}
